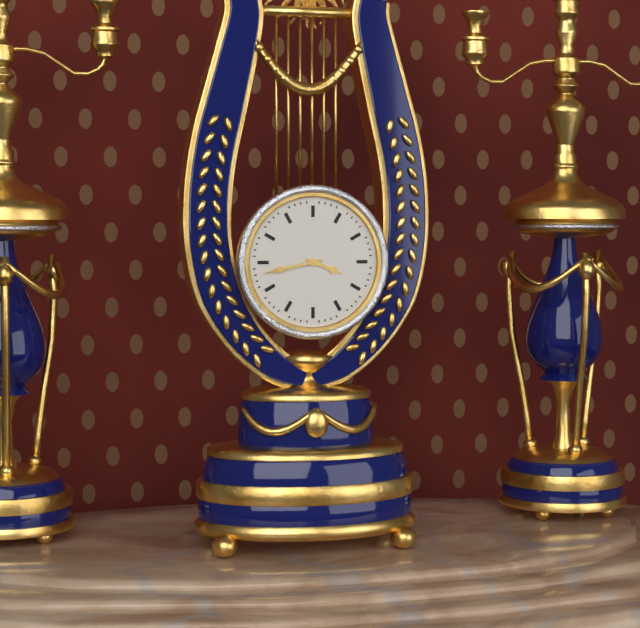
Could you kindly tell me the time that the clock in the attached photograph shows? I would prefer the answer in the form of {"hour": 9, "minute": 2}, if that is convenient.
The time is {"hour": 3, "minute": 43}
